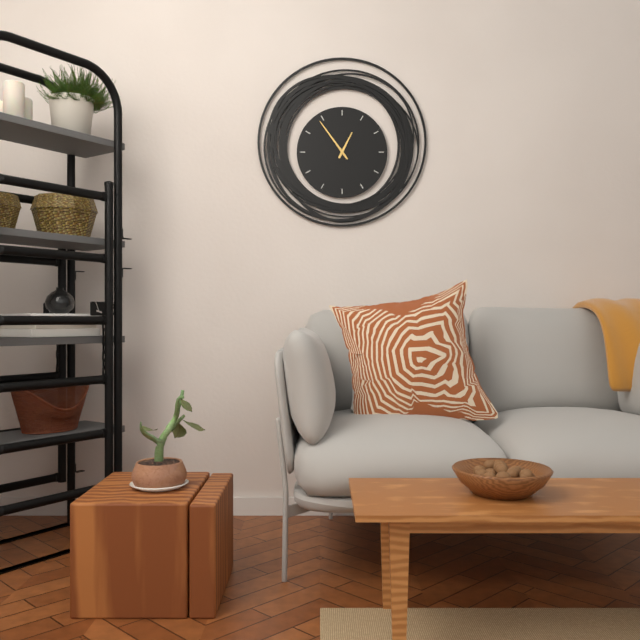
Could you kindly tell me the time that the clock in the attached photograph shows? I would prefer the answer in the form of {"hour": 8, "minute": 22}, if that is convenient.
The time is {"hour": 12, "minute": 54}
